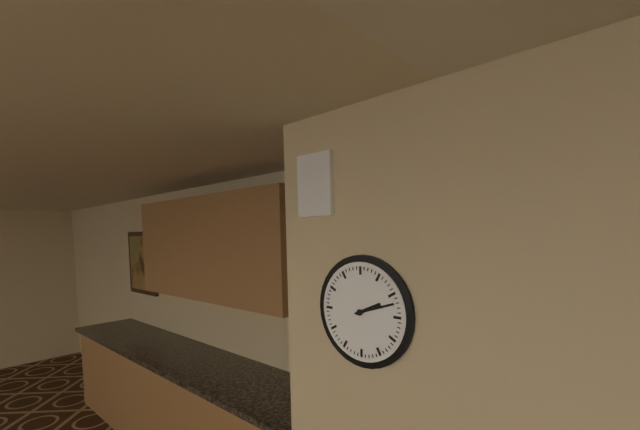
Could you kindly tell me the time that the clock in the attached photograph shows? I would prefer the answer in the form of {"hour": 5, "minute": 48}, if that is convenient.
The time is {"hour": 2, "minute": 12}
